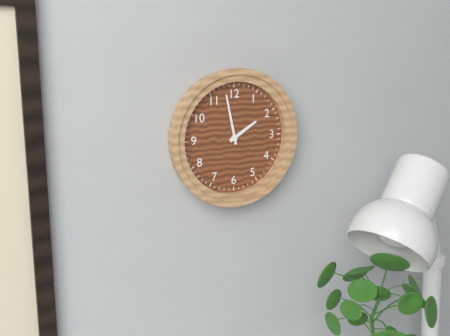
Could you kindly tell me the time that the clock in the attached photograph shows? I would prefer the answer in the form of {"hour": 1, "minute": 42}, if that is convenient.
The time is {"hour": 1, "minute": 58}
